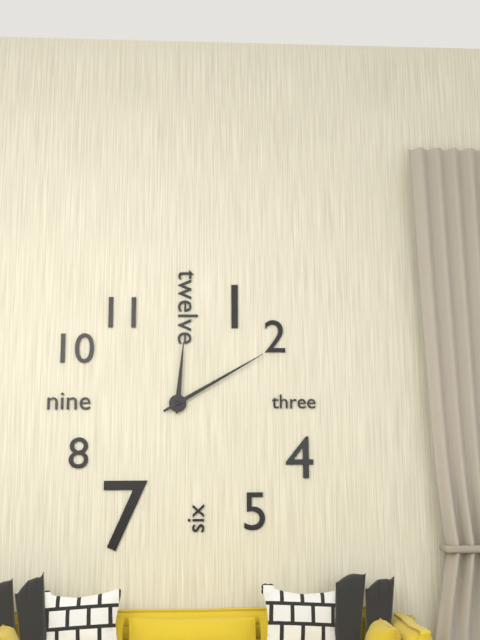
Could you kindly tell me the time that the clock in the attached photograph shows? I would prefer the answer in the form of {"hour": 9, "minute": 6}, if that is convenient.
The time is {"hour": 12, "minute": 10}
